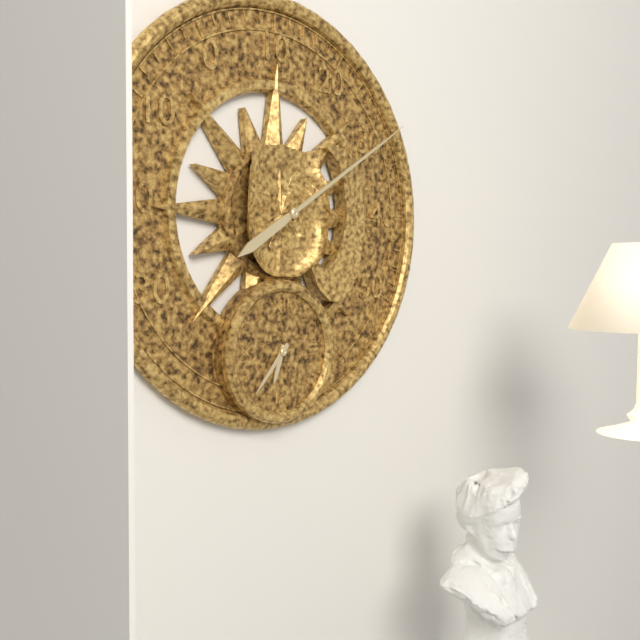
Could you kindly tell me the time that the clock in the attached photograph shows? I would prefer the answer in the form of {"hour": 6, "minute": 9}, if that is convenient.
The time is {"hour": 6, "minute": 37}
